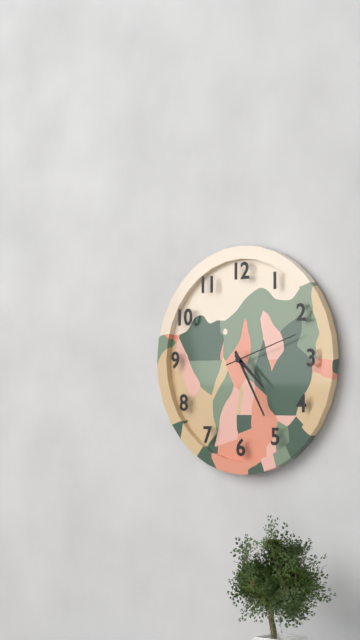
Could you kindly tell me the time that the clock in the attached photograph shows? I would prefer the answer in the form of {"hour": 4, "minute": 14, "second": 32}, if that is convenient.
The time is {"hour": 4, "minute": 25, "second": 12}
